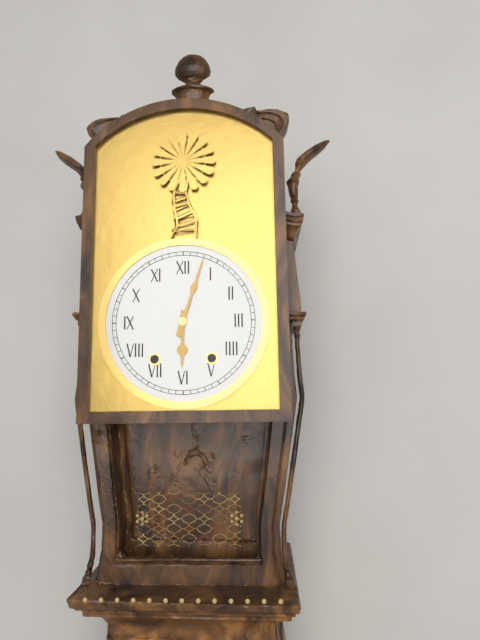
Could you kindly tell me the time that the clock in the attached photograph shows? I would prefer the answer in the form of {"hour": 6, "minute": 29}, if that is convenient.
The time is {"hour": 6, "minute": 3}
